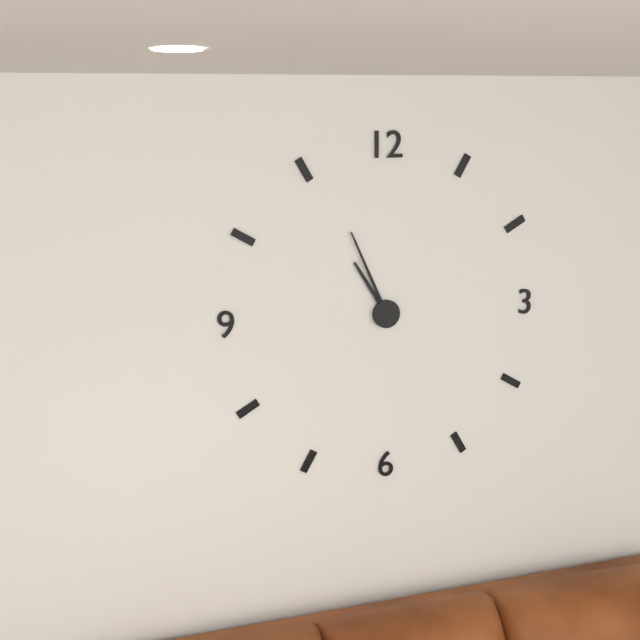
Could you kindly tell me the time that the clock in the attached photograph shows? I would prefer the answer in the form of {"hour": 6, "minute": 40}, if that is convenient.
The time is {"hour": 10, "minute": 56}
